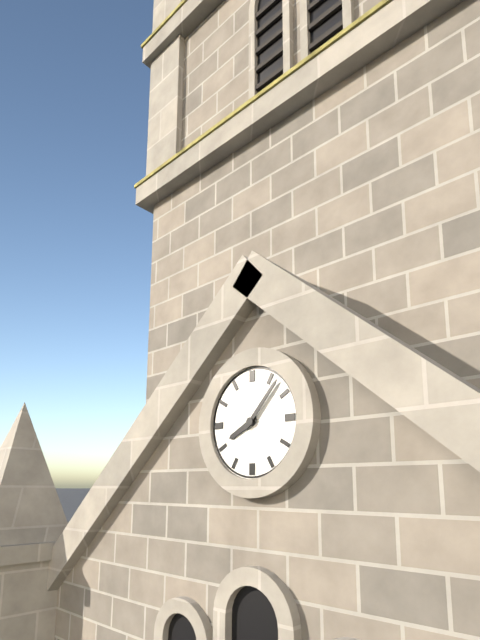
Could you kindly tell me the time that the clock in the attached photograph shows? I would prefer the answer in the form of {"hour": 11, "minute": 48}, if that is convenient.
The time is {"hour": 8, "minute": 7}
